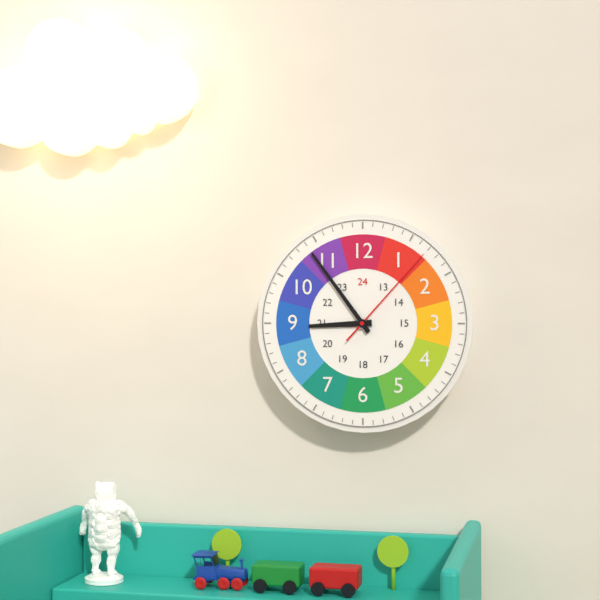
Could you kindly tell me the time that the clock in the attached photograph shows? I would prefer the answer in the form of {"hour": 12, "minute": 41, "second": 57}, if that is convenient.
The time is {"hour": 8, "minute": 54, "second": 7}
